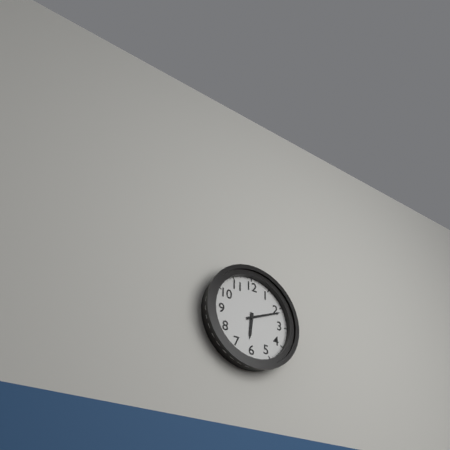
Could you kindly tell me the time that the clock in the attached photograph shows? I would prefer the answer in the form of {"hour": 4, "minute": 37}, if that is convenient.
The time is {"hour": 6, "minute": 11}
